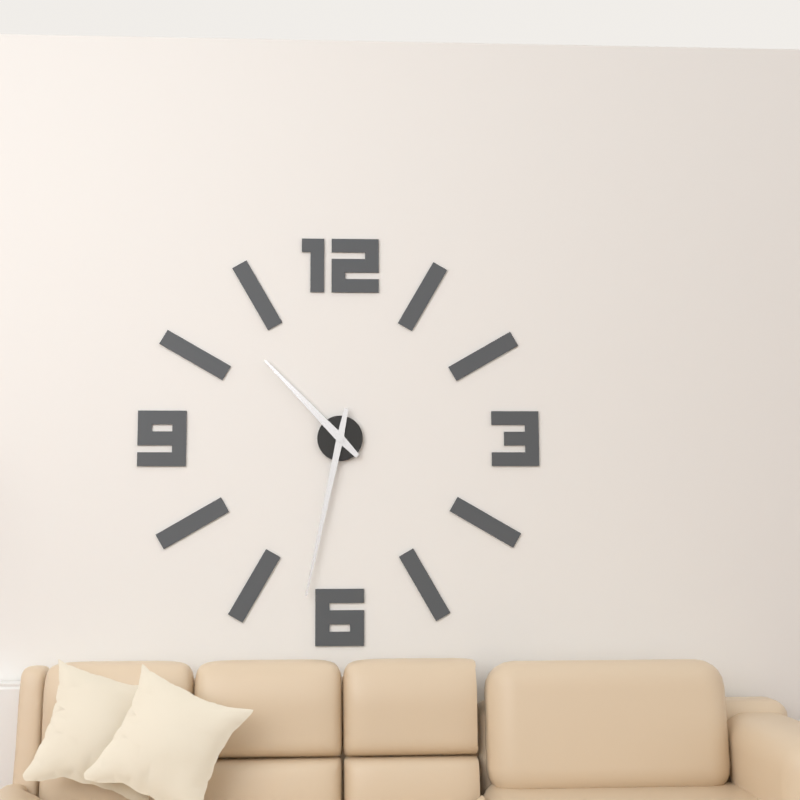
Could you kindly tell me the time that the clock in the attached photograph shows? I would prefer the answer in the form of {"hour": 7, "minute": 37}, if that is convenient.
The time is {"hour": 10, "minute": 32}
